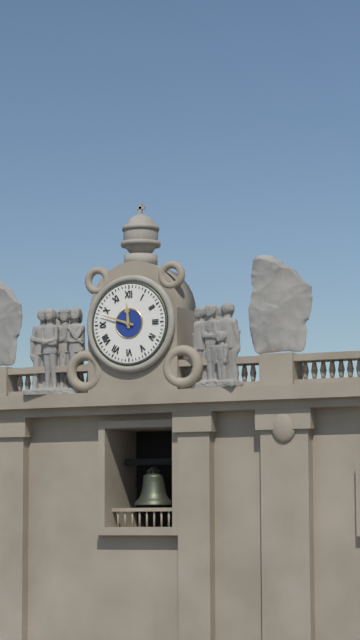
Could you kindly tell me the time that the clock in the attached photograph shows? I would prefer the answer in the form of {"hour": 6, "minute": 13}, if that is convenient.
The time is {"hour": 11, "minute": 48}
